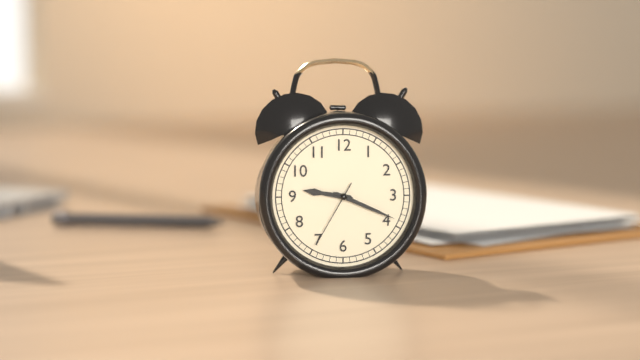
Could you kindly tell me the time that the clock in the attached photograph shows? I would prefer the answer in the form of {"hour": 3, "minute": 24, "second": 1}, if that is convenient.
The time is {"hour": 9, "minute": 19, "second": 35}
